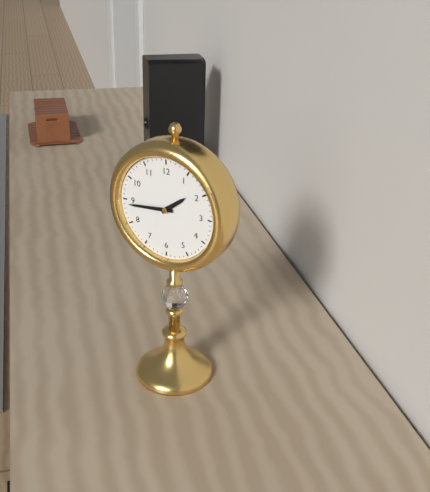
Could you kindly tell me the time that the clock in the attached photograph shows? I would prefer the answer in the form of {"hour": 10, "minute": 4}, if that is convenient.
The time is {"hour": 1, "minute": 44}
